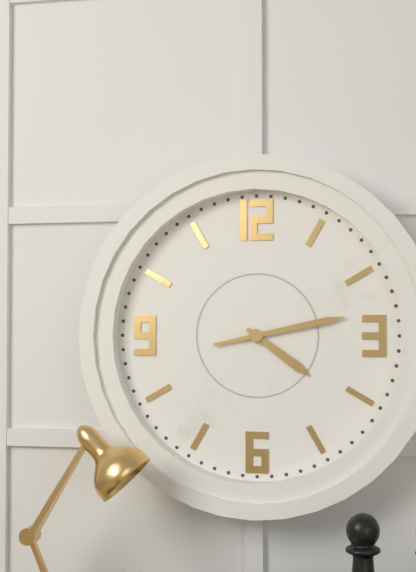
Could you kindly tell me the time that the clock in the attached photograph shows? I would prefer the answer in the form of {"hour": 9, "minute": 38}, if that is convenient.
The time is {"hour": 4, "minute": 13}
